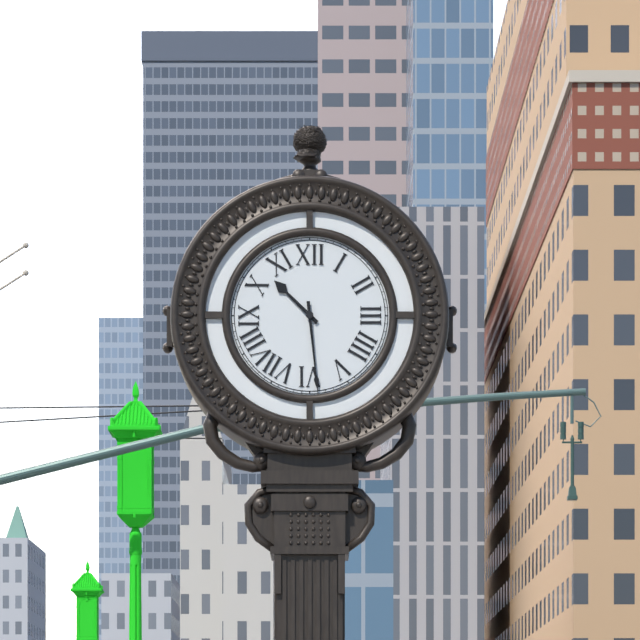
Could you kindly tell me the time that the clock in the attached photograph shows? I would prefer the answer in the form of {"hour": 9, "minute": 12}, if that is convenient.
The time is {"hour": 10, "minute": 29}
